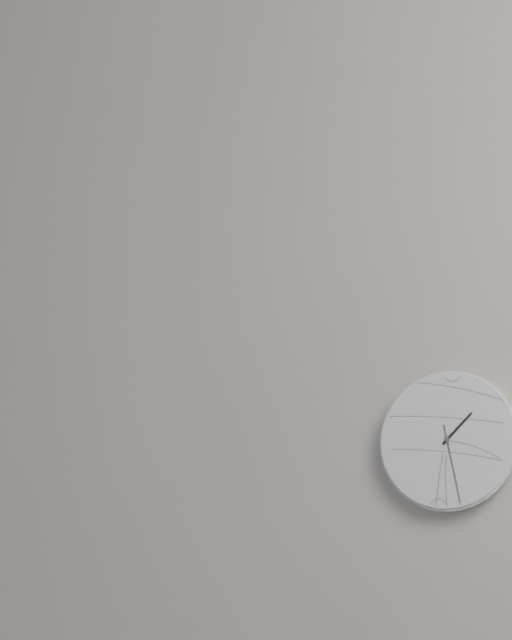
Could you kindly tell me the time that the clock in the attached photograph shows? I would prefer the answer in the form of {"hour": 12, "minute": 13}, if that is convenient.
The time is {"hour": 1, "minute": 28}
